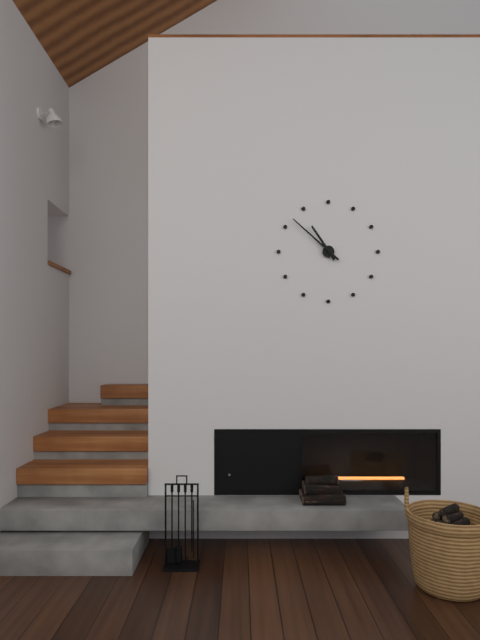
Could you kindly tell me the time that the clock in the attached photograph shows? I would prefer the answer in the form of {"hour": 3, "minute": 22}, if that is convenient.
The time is {"hour": 10, "minute": 52}
